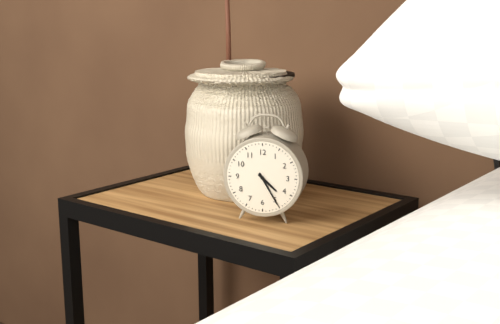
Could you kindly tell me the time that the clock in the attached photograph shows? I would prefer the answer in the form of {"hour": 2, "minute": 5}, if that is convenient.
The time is {"hour": 4, "minute": 25}
